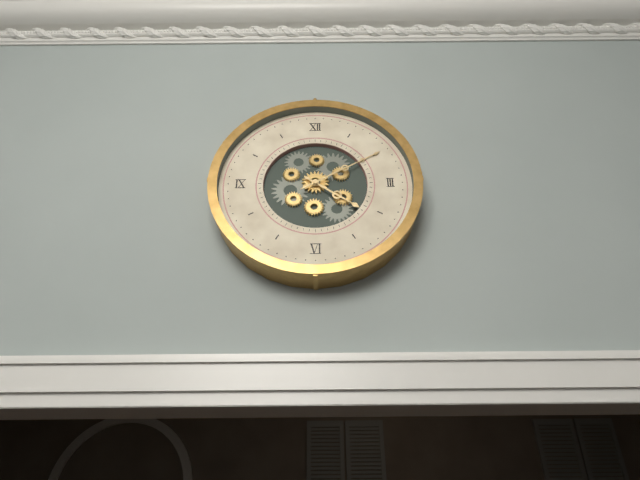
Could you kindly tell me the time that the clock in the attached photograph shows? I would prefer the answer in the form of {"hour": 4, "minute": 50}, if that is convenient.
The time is {"hour": 4, "minute": 10}
